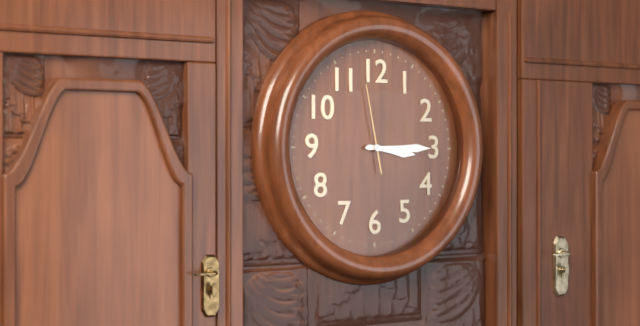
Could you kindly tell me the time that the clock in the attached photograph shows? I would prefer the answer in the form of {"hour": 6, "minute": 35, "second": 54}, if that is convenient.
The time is {"hour": 3, "minute": 15, "second": 58}
